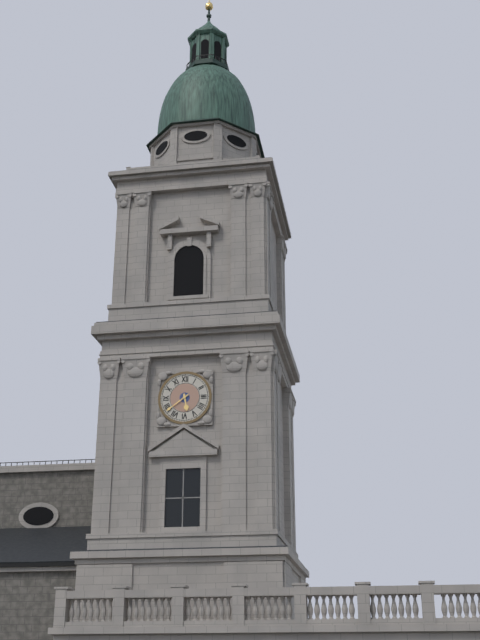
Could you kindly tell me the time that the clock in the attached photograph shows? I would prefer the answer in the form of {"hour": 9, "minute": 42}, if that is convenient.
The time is {"hour": 5, "minute": 39}
